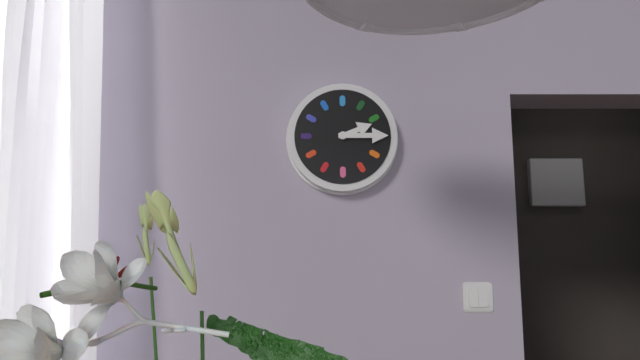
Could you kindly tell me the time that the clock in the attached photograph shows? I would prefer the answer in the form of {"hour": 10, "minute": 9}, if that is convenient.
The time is {"hour": 2, "minute": 15}
